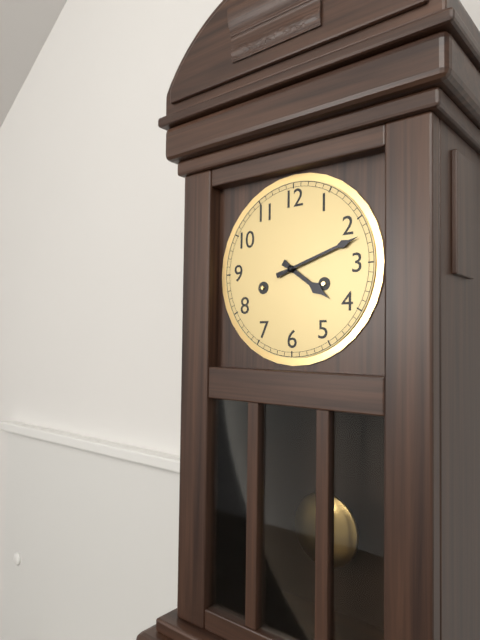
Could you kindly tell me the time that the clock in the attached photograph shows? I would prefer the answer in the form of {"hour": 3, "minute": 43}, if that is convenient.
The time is {"hour": 4, "minute": 12}
